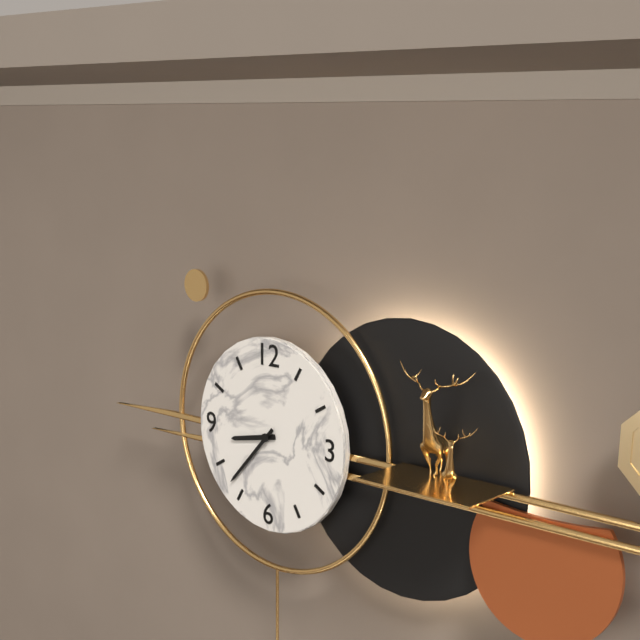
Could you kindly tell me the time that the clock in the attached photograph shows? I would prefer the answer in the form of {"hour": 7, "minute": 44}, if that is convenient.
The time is {"hour": 8, "minute": 37}
